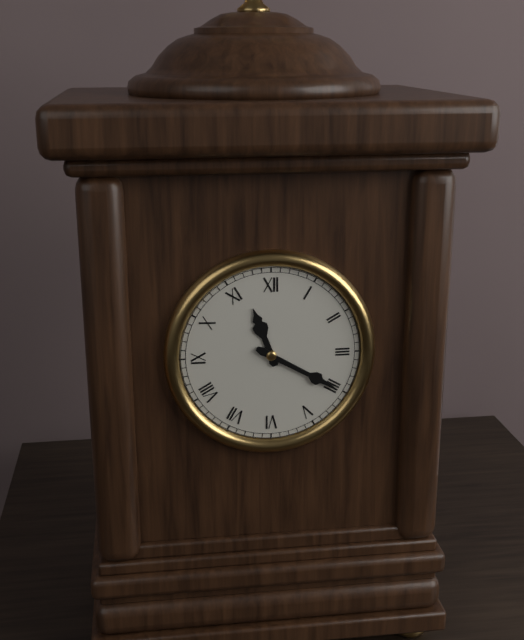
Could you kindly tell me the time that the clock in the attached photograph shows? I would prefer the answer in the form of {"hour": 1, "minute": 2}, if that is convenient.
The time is {"hour": 11, "minute": 20}
